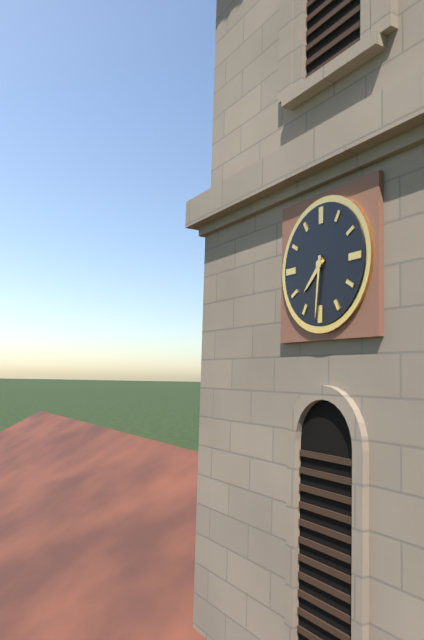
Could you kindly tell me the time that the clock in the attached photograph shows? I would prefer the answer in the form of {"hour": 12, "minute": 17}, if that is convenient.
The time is {"hour": 7, "minute": 31}
